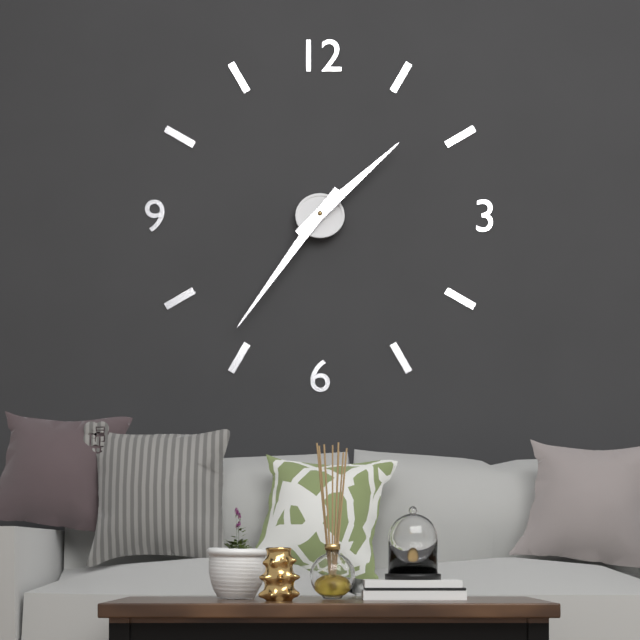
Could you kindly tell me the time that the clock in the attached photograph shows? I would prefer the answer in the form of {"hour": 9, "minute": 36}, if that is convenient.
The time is {"hour": 1, "minute": 36}
